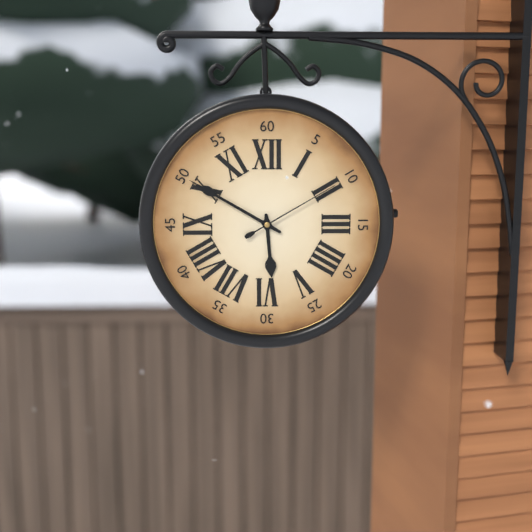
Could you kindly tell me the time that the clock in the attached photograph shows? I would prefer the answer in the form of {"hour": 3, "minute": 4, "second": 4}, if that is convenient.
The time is {"hour": 5, "minute": 50, "second": 10}
